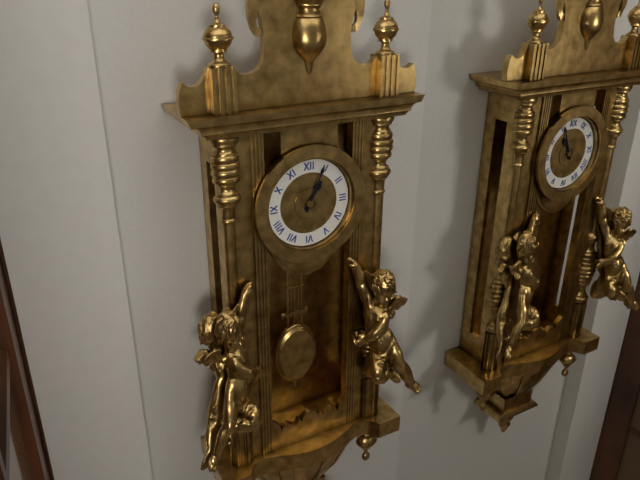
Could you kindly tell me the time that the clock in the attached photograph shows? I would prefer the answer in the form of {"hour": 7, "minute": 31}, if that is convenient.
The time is {"hour": 1, "minute": 4}
